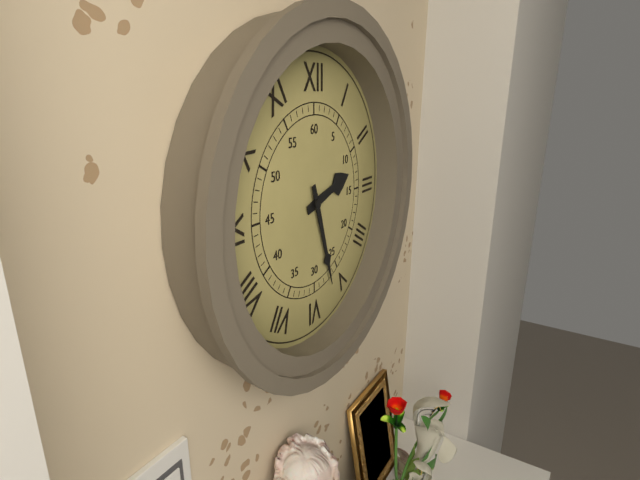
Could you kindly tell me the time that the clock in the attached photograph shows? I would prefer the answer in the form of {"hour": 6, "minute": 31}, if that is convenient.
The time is {"hour": 2, "minute": 27}
